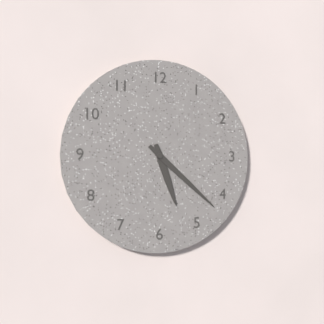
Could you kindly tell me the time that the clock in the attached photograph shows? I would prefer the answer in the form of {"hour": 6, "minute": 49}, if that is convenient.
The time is {"hour": 5, "minute": 22}
